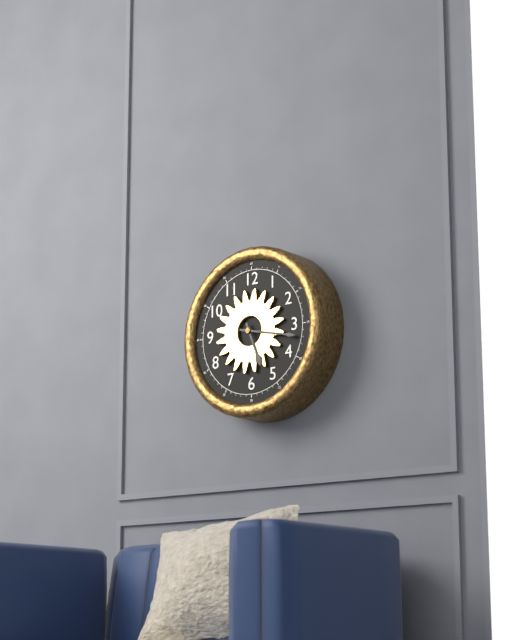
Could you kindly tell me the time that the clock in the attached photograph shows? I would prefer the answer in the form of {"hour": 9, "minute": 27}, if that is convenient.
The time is {"hour": 5, "minute": 17}
